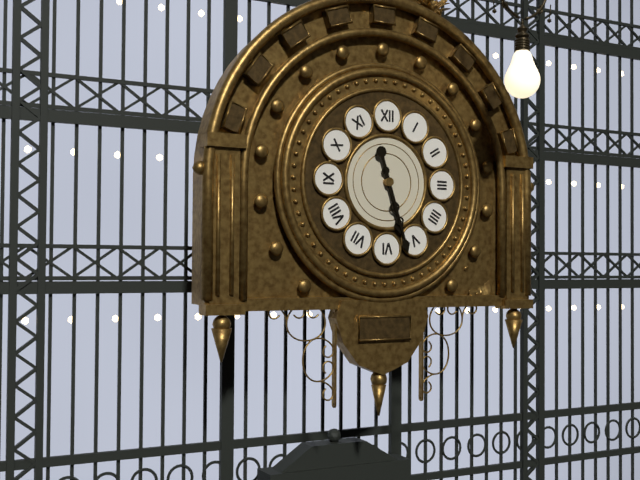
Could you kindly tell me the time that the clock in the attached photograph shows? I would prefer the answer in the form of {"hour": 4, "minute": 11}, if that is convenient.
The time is {"hour": 5, "minute": 27}
